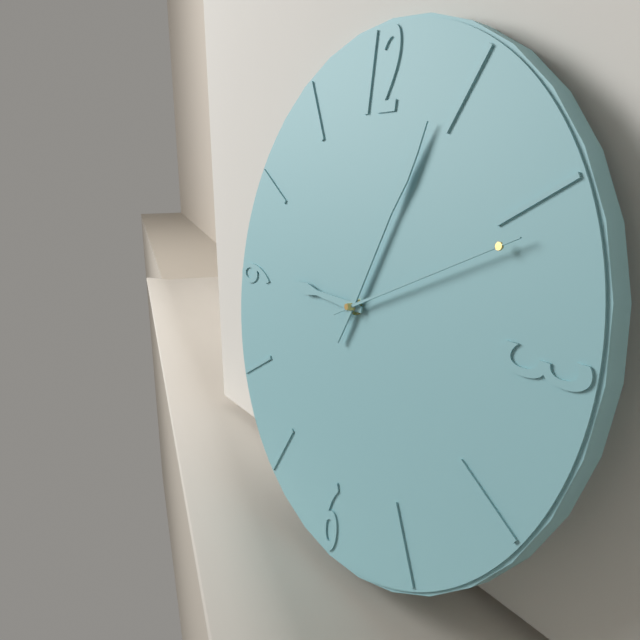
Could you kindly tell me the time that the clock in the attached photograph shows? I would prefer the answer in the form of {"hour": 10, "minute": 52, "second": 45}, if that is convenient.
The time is {"hour": 9, "minute": 4, "second": 11}
